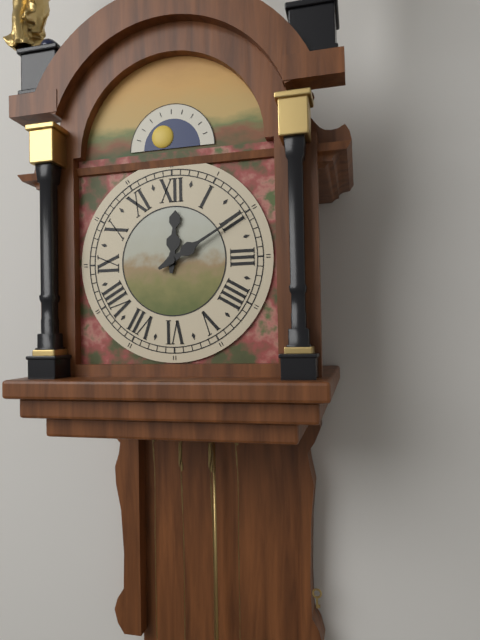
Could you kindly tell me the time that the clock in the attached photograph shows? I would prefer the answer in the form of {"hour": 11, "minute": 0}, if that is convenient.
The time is {"hour": 12, "minute": 10}
